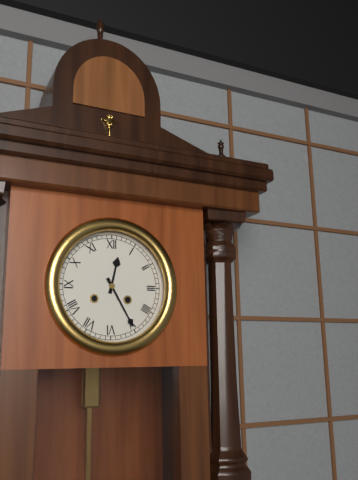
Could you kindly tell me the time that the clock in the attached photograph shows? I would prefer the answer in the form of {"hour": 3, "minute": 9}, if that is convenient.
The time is {"hour": 12, "minute": 25}
